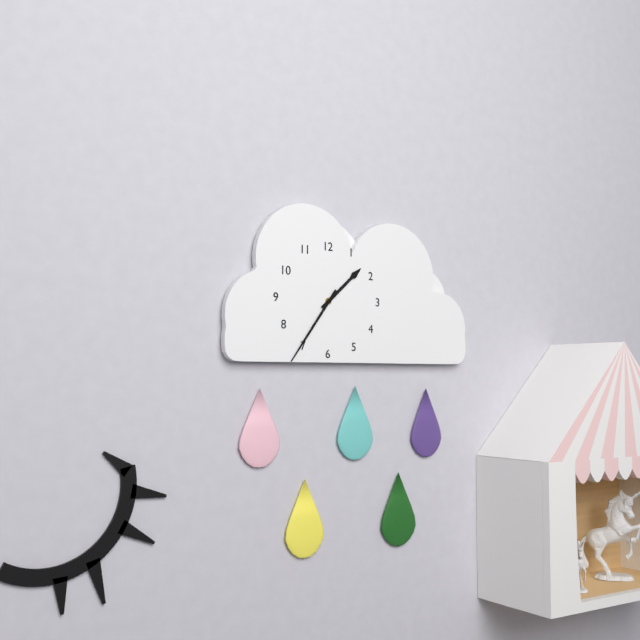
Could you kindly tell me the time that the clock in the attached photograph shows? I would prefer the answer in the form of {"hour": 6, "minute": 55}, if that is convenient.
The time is {"hour": 1, "minute": 36}
